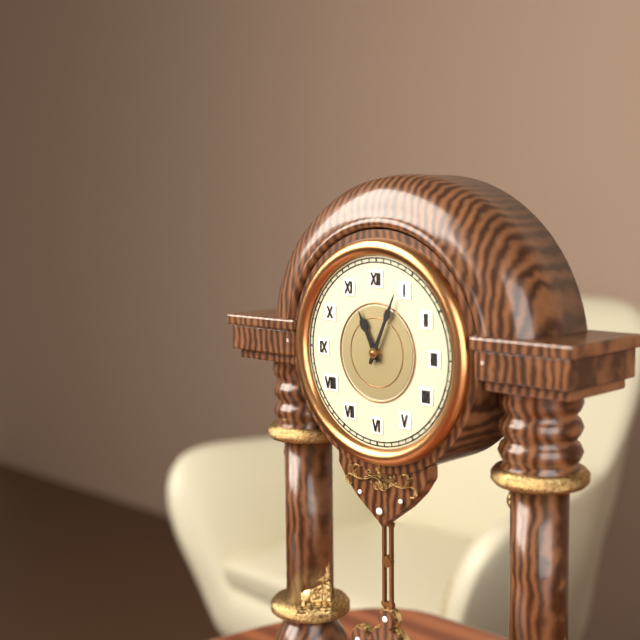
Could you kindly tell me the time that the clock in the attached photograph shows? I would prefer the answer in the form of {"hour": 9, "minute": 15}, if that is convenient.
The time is {"hour": 11, "minute": 4}
